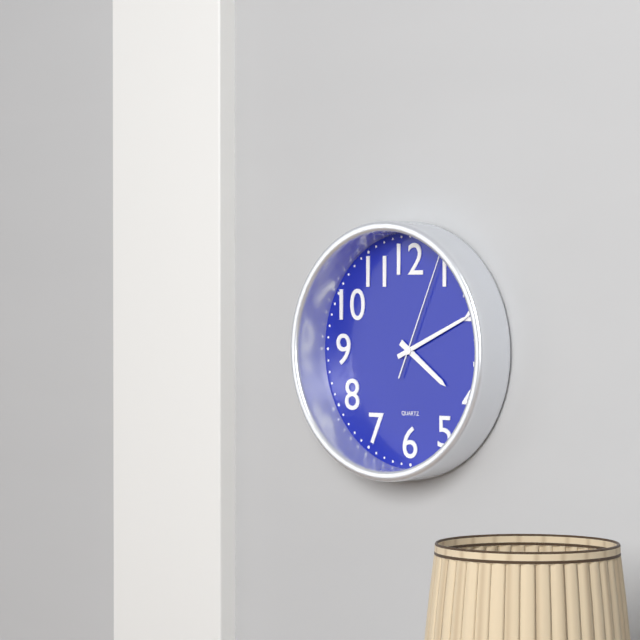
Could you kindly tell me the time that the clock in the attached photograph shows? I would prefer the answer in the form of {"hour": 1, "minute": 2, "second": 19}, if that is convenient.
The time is {"hour": 4, "minute": 11, "second": 4}
